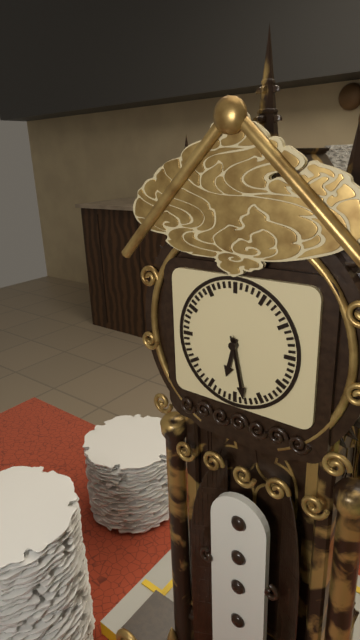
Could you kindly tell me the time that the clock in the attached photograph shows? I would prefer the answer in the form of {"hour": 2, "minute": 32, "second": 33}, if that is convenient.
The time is {"hour": 6, "minute": 28, "second": 28}
